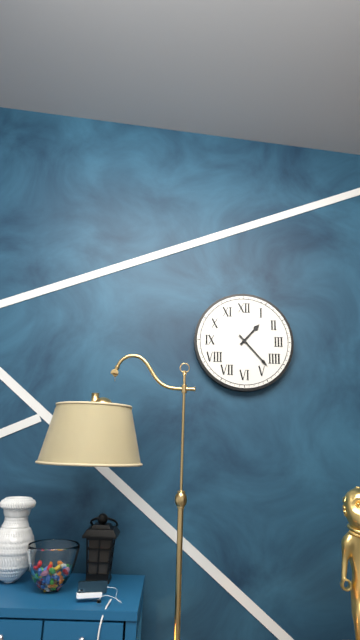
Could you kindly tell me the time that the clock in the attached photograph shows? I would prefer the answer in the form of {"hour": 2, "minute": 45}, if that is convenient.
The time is {"hour": 1, "minute": 23}
